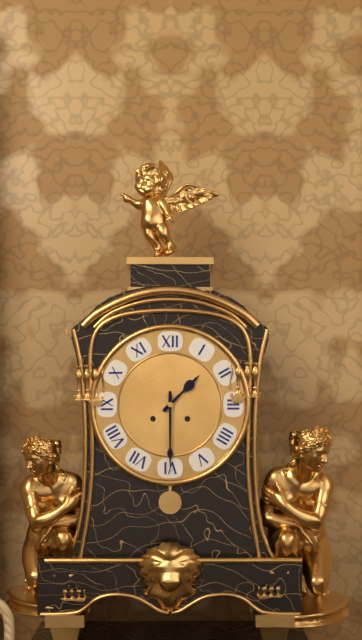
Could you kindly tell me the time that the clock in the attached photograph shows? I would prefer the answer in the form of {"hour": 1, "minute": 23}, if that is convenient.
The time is {"hour": 1, "minute": 30}
